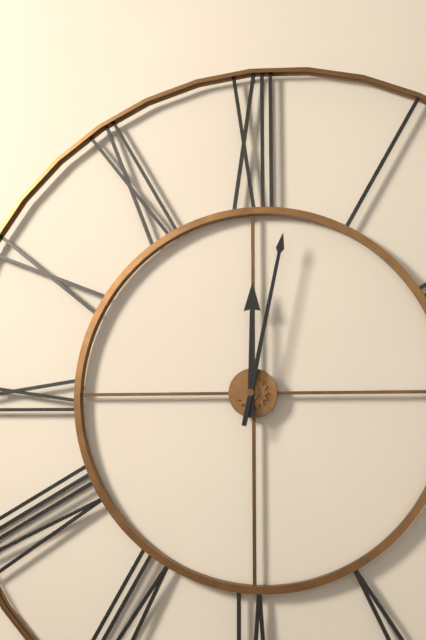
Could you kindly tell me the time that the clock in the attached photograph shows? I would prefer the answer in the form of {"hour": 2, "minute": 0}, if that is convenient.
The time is {"hour": 12, "minute": 2}
